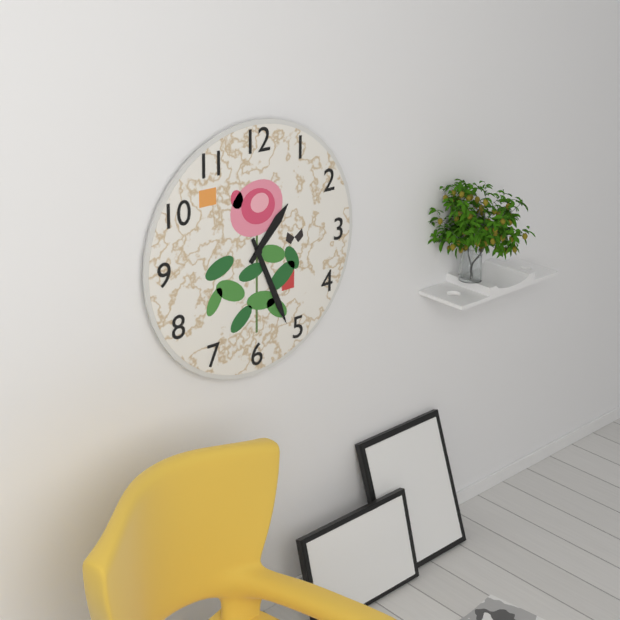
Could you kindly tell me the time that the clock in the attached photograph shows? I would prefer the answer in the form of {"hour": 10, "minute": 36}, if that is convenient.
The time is {"hour": 1, "minute": 26}
